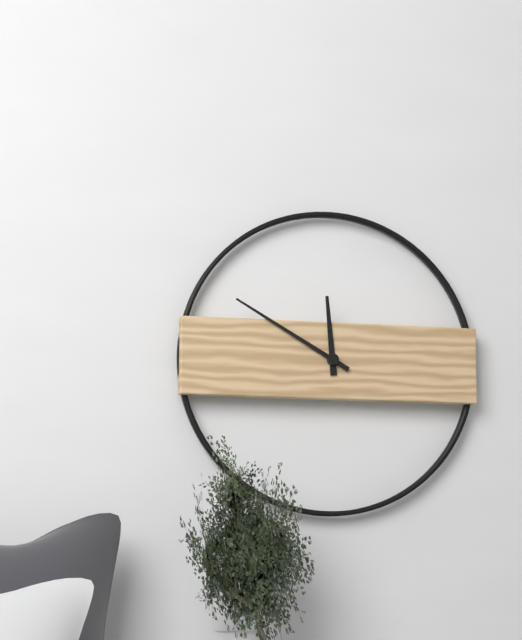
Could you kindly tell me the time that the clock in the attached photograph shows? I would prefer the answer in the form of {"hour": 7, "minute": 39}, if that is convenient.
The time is {"hour": 11, "minute": 50}
